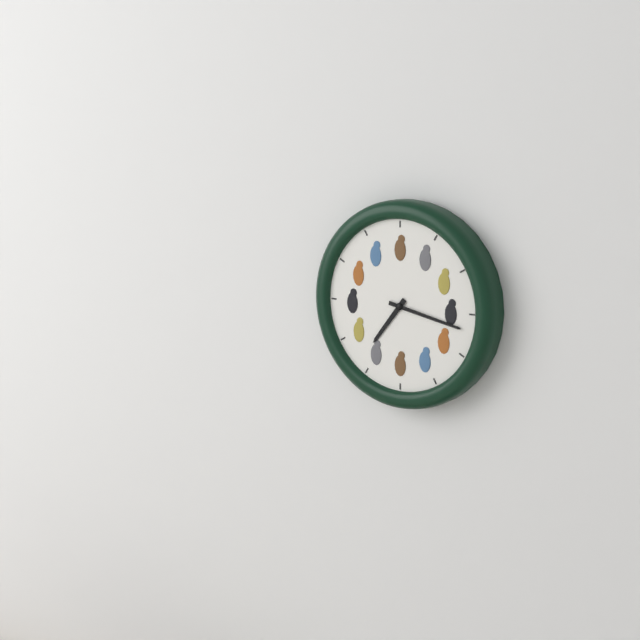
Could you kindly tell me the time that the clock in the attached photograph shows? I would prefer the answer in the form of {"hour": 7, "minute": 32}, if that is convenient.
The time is {"hour": 7, "minute": 17}
